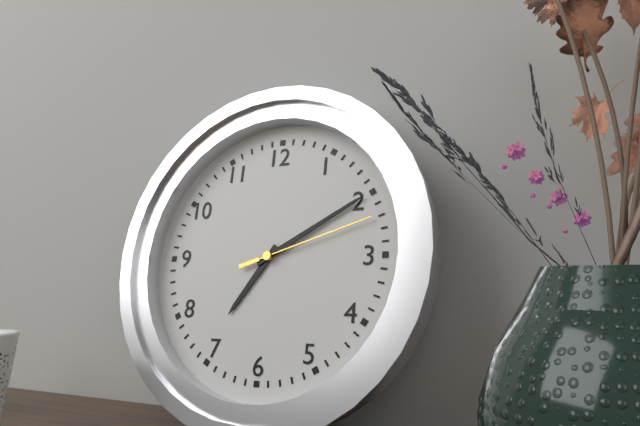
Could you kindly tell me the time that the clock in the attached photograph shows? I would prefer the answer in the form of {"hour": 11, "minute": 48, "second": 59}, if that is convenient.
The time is {"hour": 7, "minute": 10, "second": 12}
